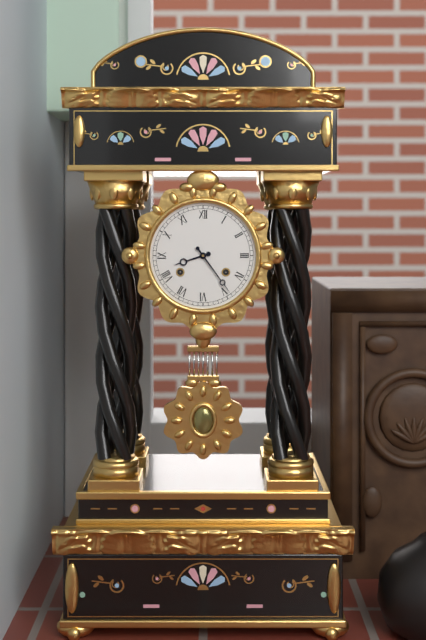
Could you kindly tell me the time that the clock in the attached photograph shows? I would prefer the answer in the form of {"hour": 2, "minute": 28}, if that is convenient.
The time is {"hour": 8, "minute": 24}
